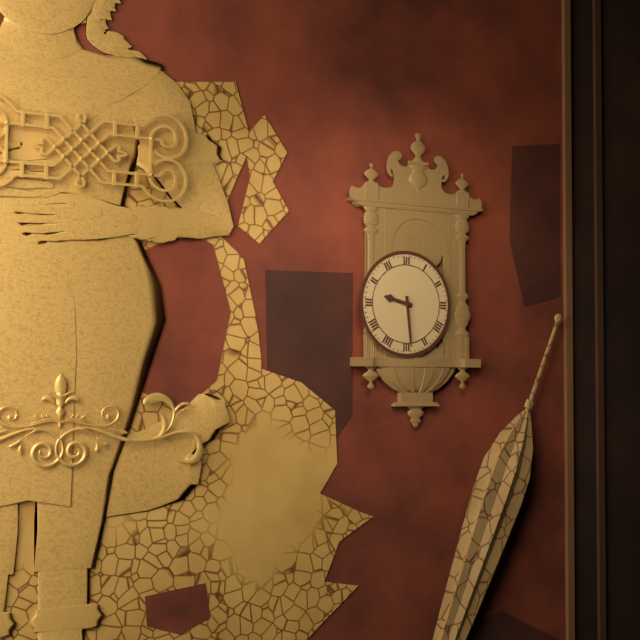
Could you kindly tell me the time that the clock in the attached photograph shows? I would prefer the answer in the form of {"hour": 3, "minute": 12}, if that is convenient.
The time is {"hour": 9, "minute": 29}
